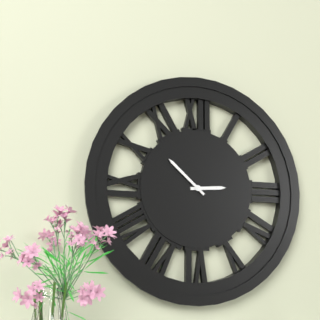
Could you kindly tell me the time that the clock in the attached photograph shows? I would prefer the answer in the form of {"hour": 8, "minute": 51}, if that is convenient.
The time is {"hour": 2, "minute": 52}
